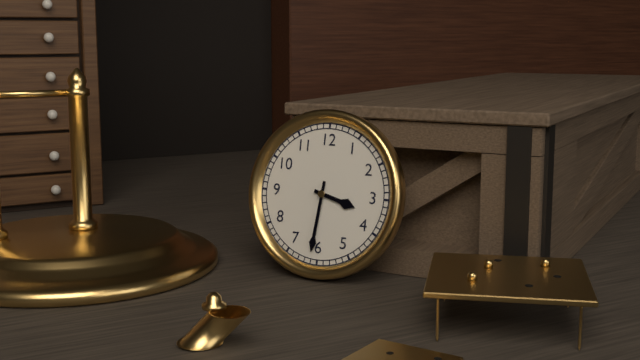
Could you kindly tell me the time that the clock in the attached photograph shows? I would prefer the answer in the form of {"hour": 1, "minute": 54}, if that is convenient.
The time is {"hour": 3, "minute": 31}
